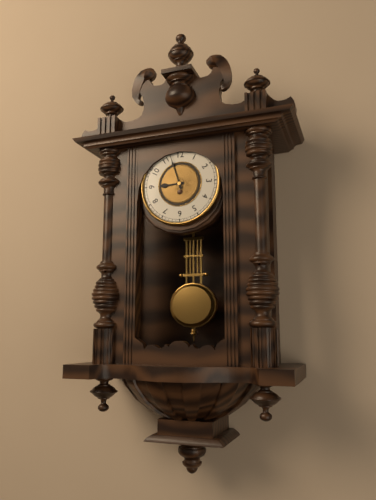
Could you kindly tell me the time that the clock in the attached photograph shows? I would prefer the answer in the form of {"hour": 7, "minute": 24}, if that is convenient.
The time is {"hour": 8, "minute": 57}
